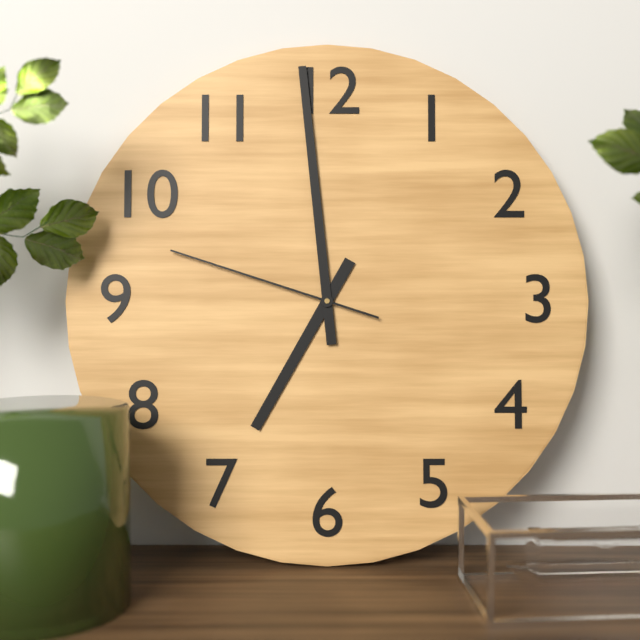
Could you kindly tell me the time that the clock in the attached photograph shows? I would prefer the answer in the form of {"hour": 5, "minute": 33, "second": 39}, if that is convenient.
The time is {"hour": 6, "minute": 59, "second": 48}
